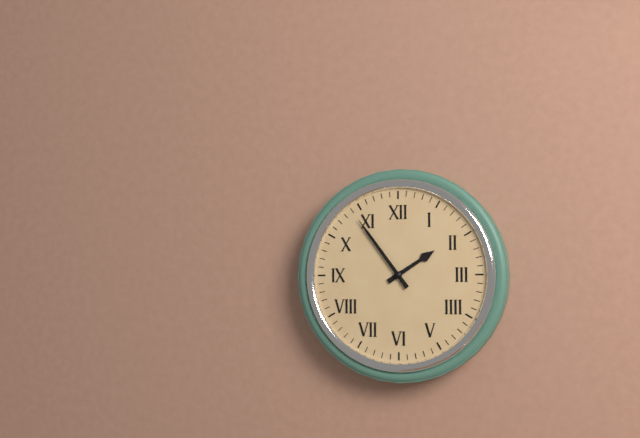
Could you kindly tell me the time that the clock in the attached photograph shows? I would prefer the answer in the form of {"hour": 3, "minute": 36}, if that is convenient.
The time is {"hour": 1, "minute": 54}
